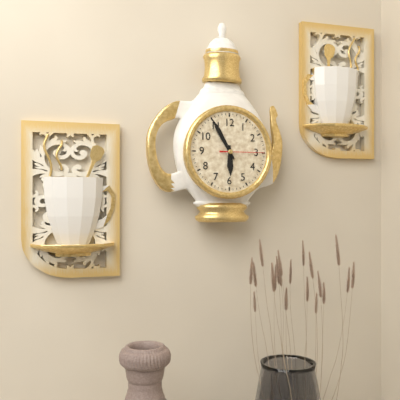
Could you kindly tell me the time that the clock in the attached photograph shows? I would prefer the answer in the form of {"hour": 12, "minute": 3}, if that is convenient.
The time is {"hour": 5, "minute": 55}
